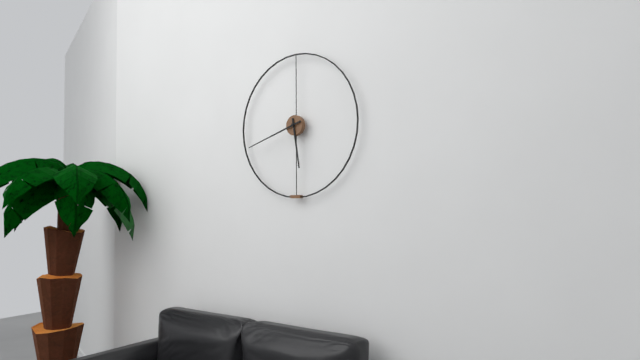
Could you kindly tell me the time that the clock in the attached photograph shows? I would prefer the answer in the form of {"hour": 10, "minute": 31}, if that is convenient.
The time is {"hour": 5, "minute": 42}
